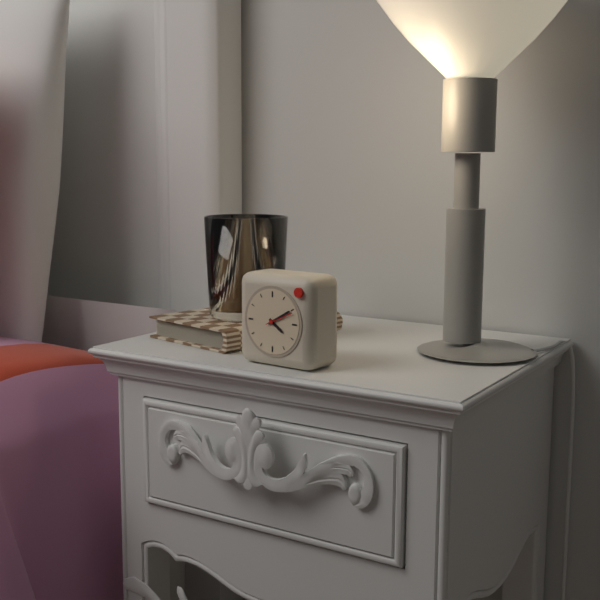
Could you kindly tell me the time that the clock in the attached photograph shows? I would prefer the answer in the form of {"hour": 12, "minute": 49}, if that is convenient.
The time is {"hour": 4, "minute": 10}
